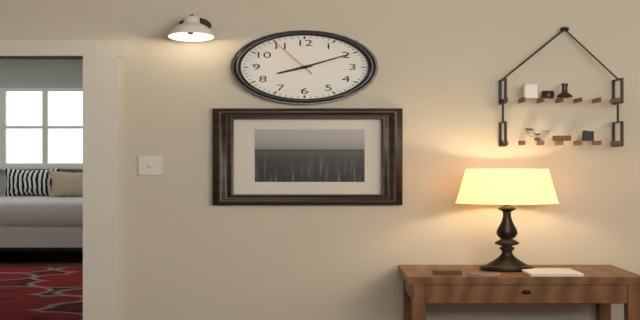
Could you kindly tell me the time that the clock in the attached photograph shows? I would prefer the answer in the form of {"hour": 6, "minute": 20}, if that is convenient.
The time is {"hour": 8, "minute": 10}
